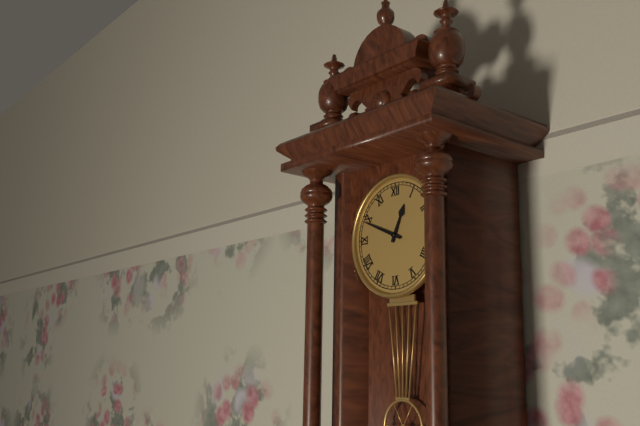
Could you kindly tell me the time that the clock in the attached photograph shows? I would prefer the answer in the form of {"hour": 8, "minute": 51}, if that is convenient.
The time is {"hour": 12, "minute": 49}
